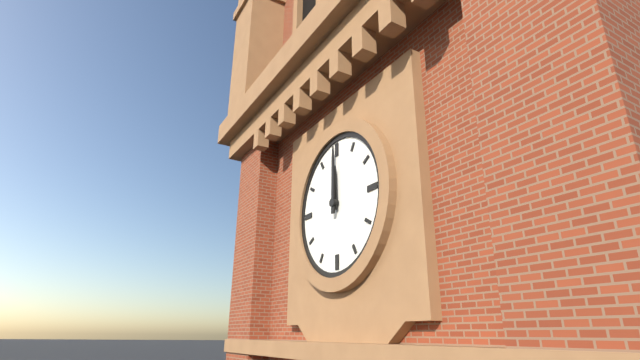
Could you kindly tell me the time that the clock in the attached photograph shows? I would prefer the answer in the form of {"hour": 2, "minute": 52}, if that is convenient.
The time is {"hour": 12, "minute": 0}
